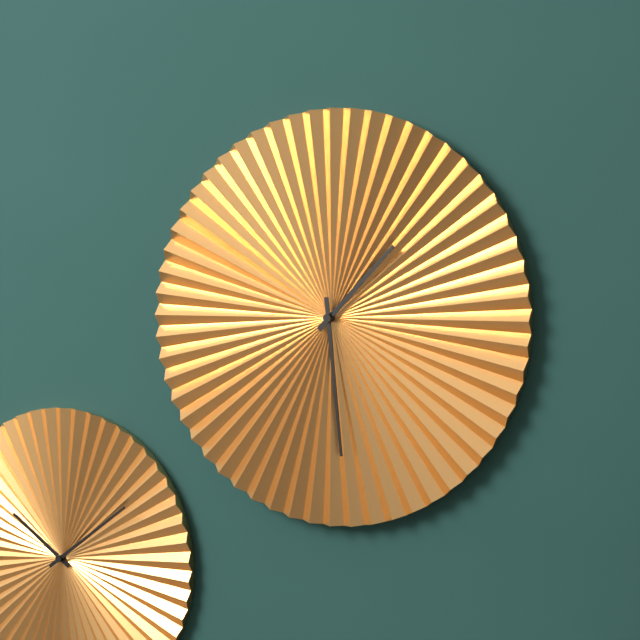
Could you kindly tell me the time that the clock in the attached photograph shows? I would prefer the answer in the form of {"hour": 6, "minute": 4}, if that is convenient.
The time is {"hour": 1, "minute": 29}
